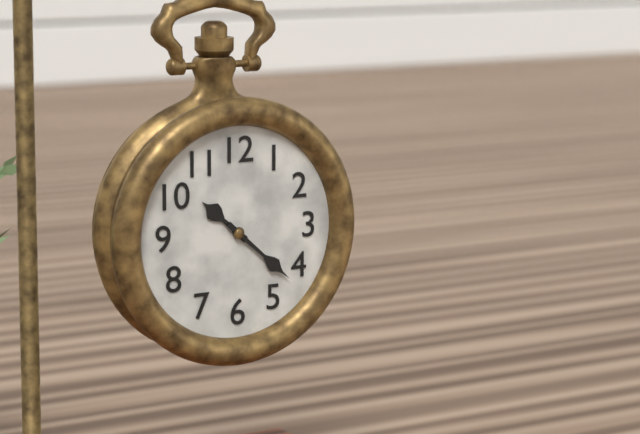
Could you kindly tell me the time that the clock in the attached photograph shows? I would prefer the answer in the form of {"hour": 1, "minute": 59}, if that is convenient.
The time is {"hour": 10, "minute": 22}
